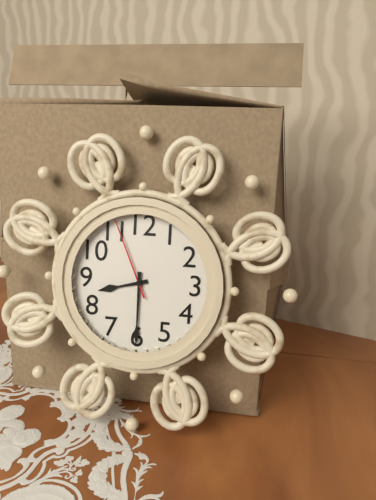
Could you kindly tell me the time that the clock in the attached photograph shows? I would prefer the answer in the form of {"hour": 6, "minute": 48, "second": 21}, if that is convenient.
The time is {"hour": 8, "minute": 30, "second": 56}
